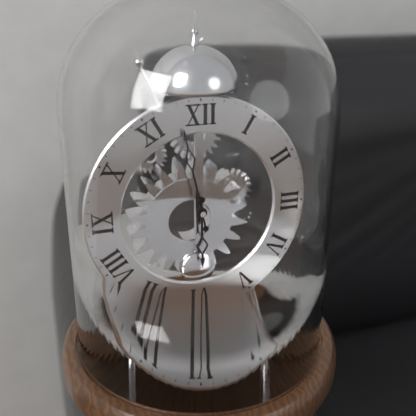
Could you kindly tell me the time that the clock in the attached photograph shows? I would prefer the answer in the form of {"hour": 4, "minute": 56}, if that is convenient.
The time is {"hour": 5, "minute": 58}
